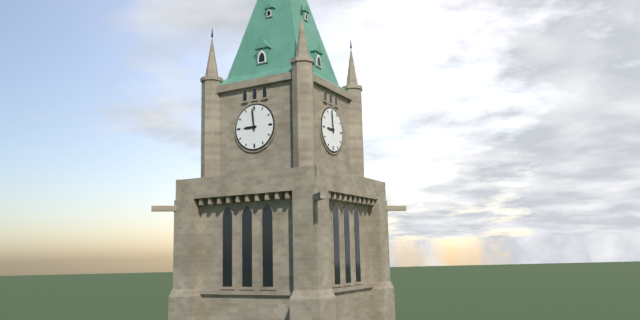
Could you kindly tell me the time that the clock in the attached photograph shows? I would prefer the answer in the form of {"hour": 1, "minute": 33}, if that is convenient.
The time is {"hour": 8, "minute": 59}
